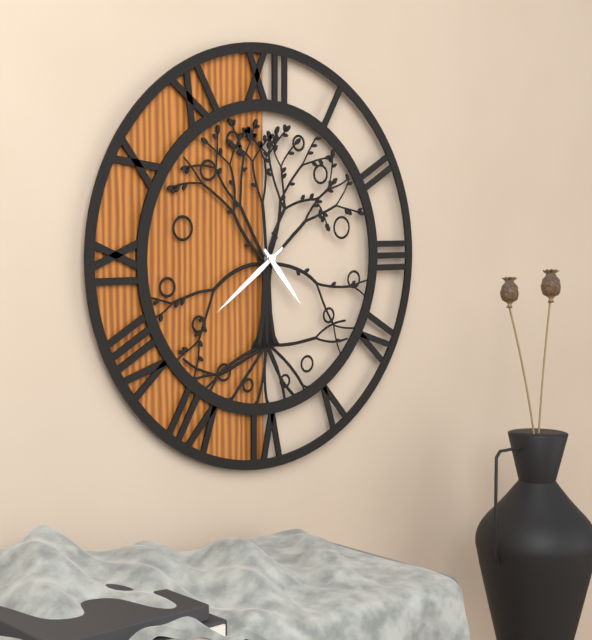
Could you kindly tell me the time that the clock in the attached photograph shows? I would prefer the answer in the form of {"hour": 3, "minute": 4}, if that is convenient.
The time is {"hour": 4, "minute": 39}
